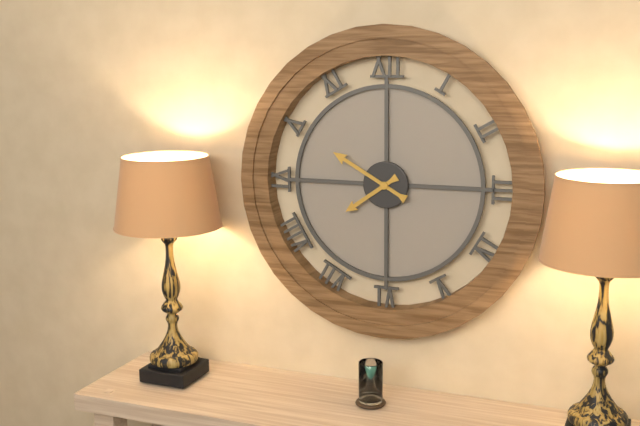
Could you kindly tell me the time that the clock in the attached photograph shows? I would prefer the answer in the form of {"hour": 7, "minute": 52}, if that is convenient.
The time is {"hour": 7, "minute": 50}
